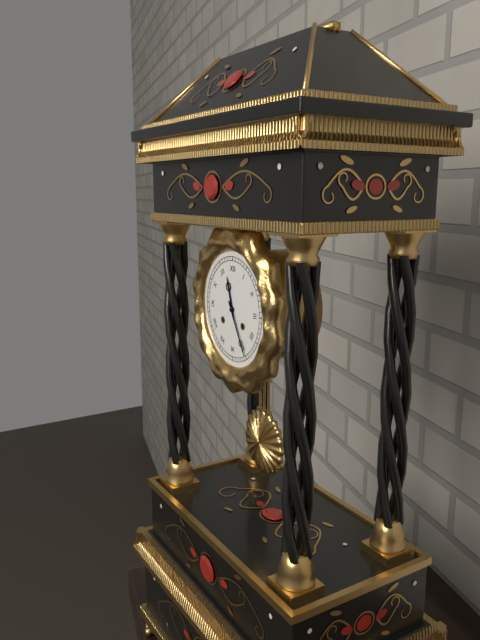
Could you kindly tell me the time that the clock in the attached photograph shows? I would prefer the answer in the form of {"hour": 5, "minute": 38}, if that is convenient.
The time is {"hour": 11, "minute": 25}
